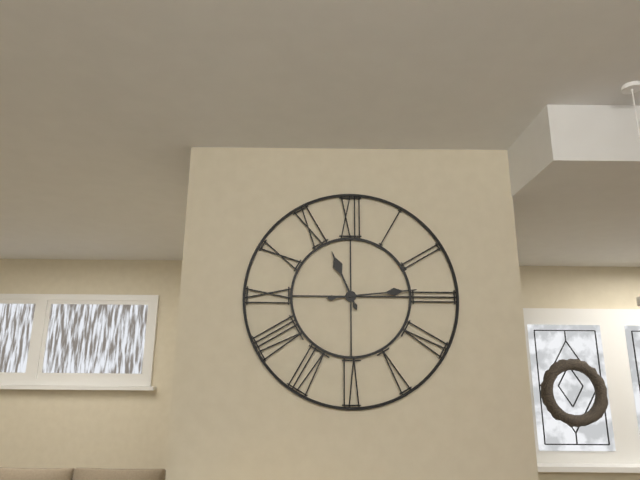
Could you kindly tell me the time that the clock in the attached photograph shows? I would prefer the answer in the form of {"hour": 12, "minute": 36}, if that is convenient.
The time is {"hour": 11, "minute": 14}
